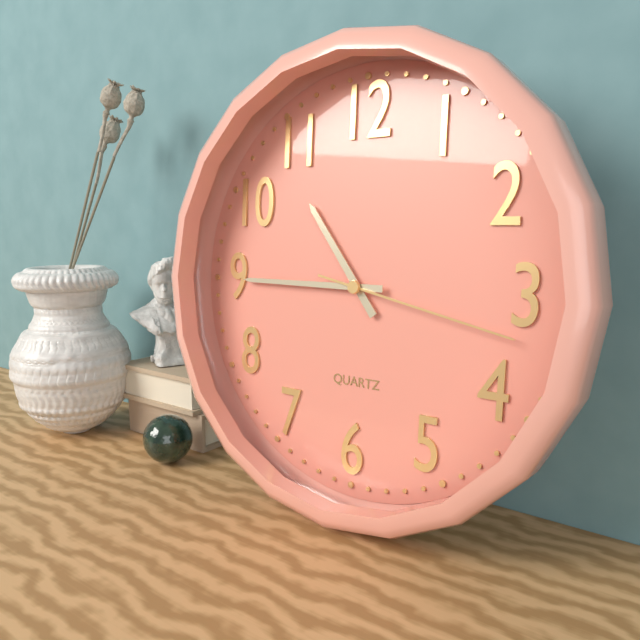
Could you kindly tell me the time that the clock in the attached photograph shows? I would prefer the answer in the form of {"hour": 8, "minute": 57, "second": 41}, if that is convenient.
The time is {"hour": 10, "minute": 45, "second": 17}
